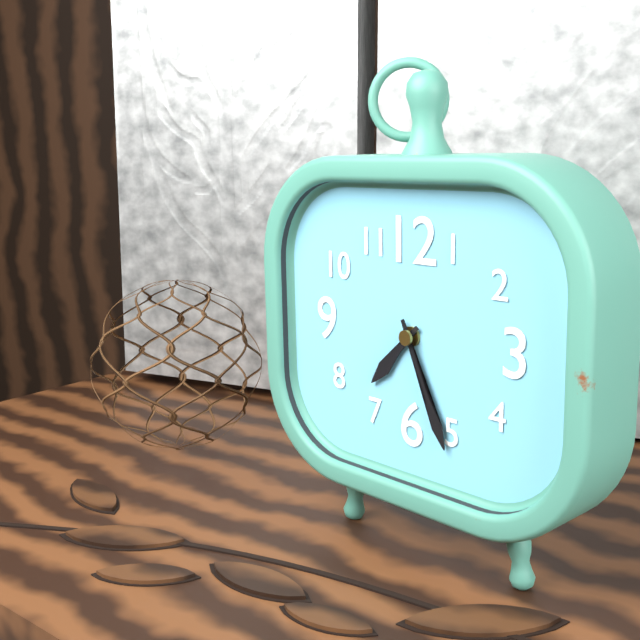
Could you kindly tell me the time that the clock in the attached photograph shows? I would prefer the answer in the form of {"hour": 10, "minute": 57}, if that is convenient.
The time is {"hour": 7, "minute": 26}
